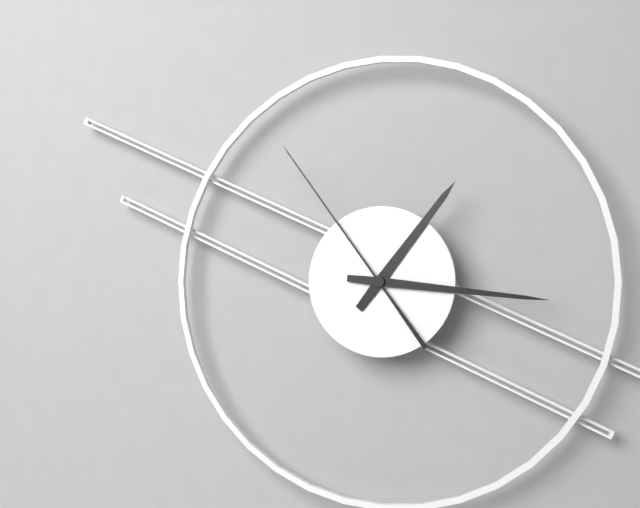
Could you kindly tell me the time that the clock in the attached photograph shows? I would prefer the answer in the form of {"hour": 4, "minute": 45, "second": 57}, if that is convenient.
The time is {"hour": 1, "minute": 16, "second": 54}
